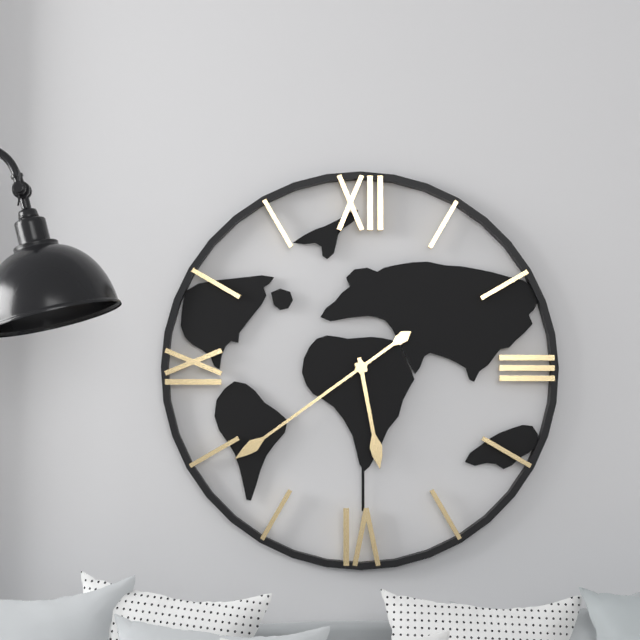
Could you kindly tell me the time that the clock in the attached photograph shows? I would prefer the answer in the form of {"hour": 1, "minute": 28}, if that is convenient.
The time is {"hour": 5, "minute": 39}
